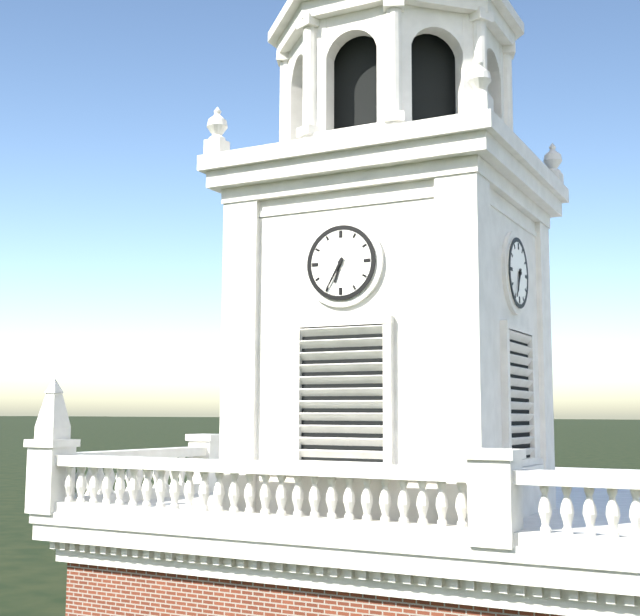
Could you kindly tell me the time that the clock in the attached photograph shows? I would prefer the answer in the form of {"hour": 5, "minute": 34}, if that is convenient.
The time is {"hour": 6, "minute": 35}
